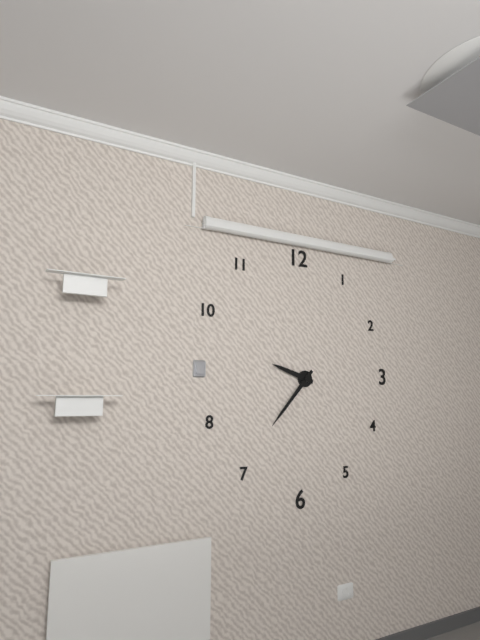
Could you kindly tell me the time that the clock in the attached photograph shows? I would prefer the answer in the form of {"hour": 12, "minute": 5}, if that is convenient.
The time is {"hour": 9, "minute": 37}
